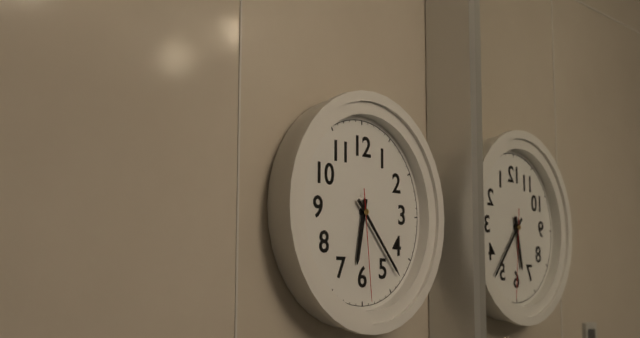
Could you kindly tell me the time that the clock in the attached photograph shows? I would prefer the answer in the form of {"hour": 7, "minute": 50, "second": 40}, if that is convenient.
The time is {"hour": 6, "minute": 23, "second": 29}
